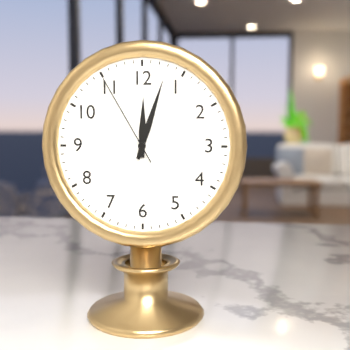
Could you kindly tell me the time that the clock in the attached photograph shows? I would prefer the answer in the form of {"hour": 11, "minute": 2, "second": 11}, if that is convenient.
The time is {"hour": 12, "minute": 3, "second": 55}
